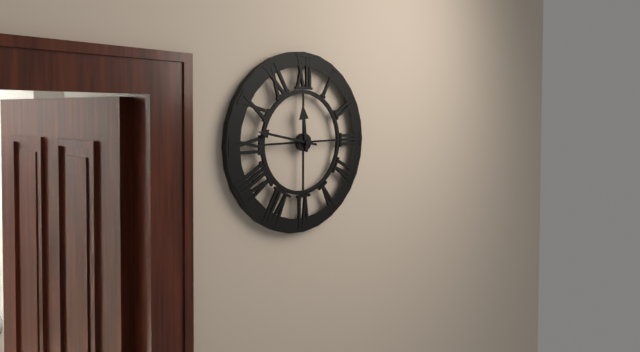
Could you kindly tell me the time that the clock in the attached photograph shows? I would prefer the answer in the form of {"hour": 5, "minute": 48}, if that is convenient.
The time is {"hour": 11, "minute": 47}
